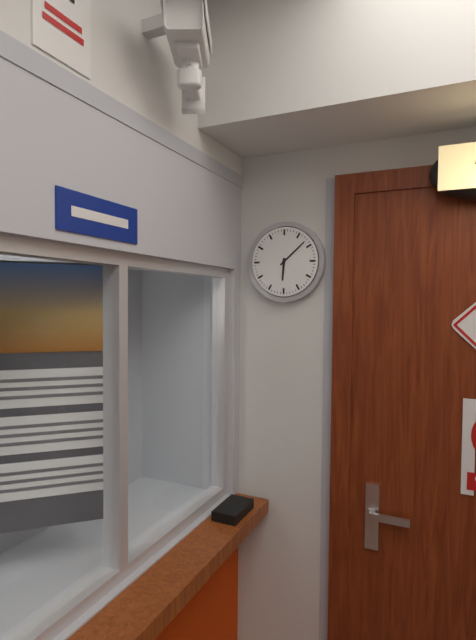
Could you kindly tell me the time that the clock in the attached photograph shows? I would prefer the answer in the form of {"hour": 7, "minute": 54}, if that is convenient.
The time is {"hour": 6, "minute": 8}
